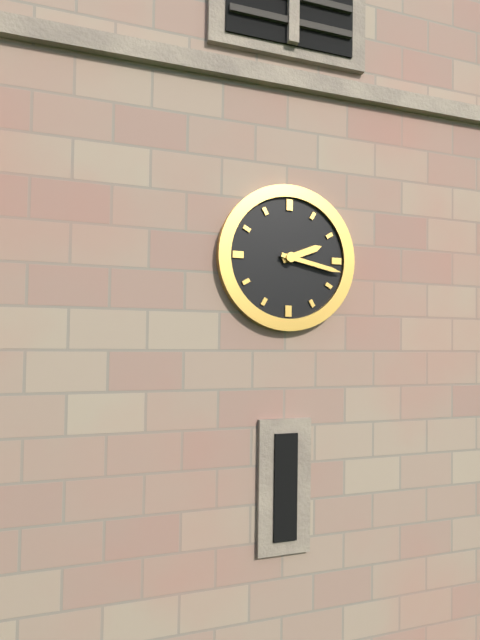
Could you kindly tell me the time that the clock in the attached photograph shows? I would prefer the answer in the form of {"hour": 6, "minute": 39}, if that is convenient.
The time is {"hour": 2, "minute": 17}
